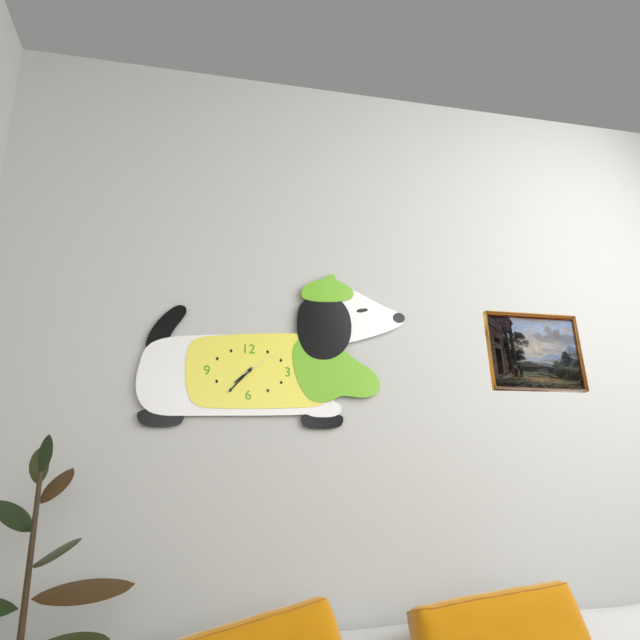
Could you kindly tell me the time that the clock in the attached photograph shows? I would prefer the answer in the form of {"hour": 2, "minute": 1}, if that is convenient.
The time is {"hour": 7, "minute": 37}
